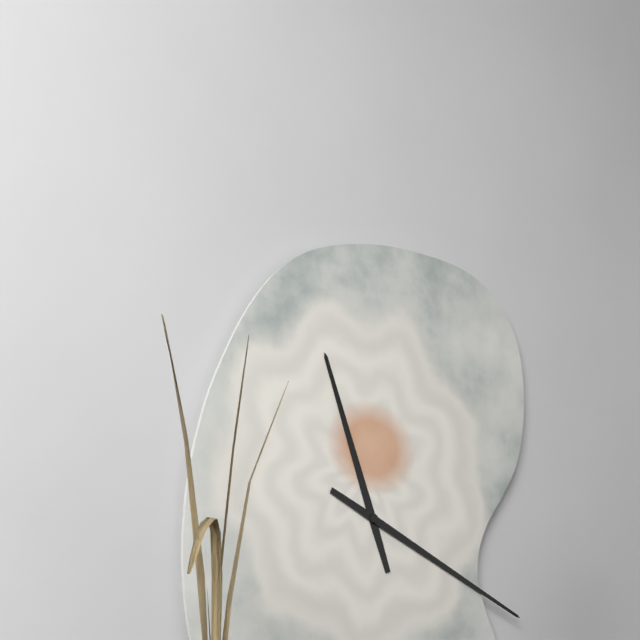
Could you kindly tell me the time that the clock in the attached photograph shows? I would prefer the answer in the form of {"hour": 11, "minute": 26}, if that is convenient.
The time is {"hour": 11, "minute": 19}
